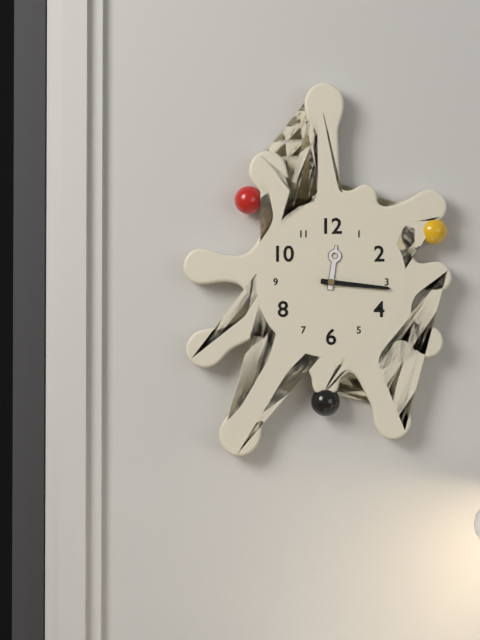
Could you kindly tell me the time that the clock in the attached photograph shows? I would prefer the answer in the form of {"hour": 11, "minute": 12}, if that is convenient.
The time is {"hour": 12, "minute": 16}
